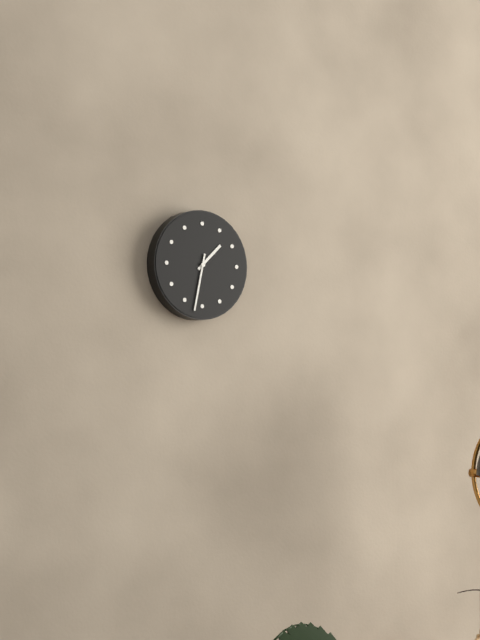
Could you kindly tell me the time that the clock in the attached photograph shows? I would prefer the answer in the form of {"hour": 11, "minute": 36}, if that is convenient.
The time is {"hour": 1, "minute": 32}
